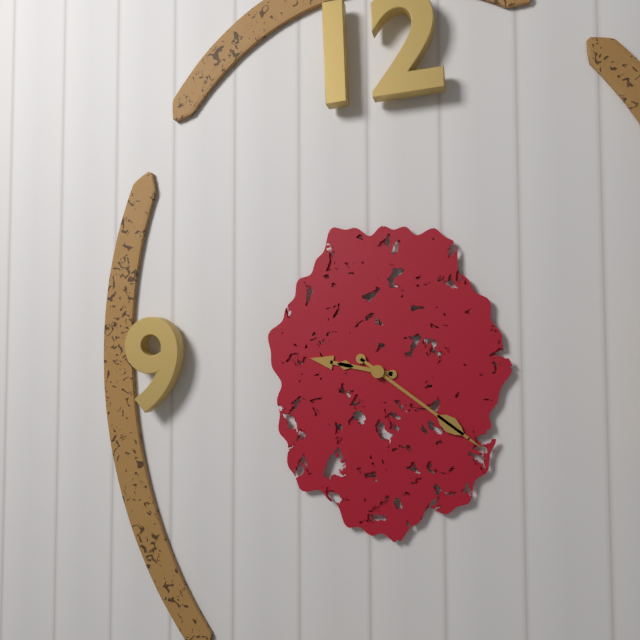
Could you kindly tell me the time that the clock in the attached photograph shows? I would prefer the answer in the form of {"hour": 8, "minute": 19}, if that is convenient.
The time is {"hour": 9, "minute": 21}
